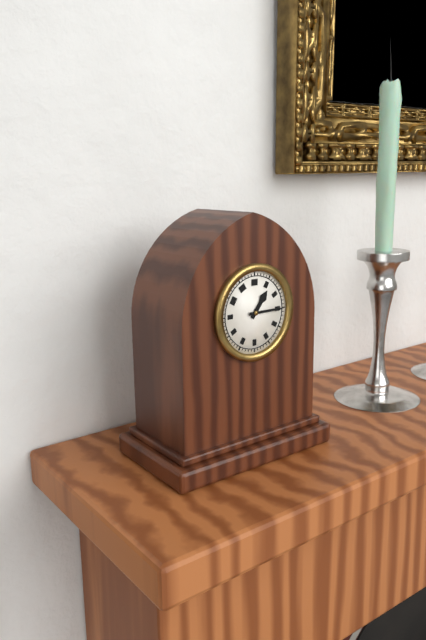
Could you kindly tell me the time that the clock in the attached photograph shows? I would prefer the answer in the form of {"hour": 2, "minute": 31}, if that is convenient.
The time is {"hour": 1, "minute": 15}
